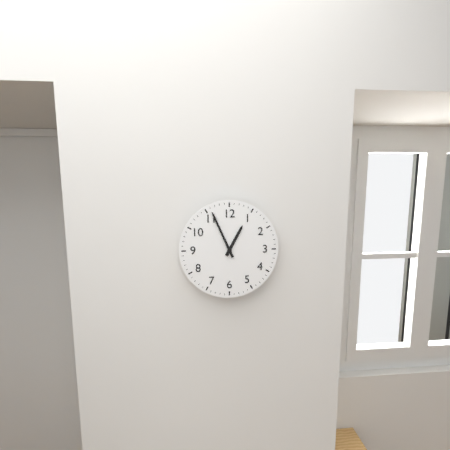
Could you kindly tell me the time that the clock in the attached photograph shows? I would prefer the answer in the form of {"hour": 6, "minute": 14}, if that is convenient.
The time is {"hour": 12, "minute": 56}
